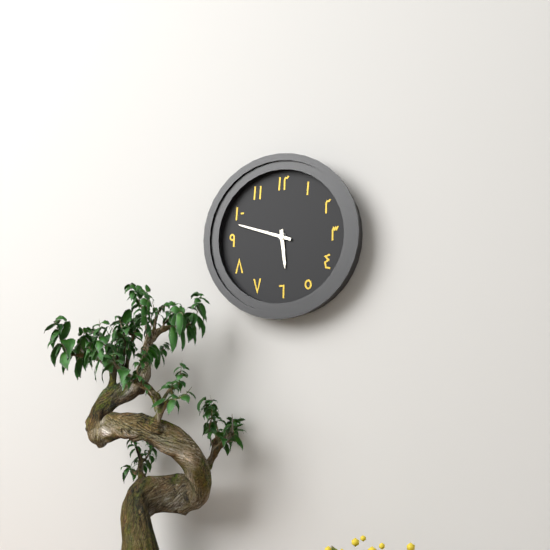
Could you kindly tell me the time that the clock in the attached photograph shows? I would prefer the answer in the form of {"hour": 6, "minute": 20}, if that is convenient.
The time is {"hour": 5, "minute": 48}
